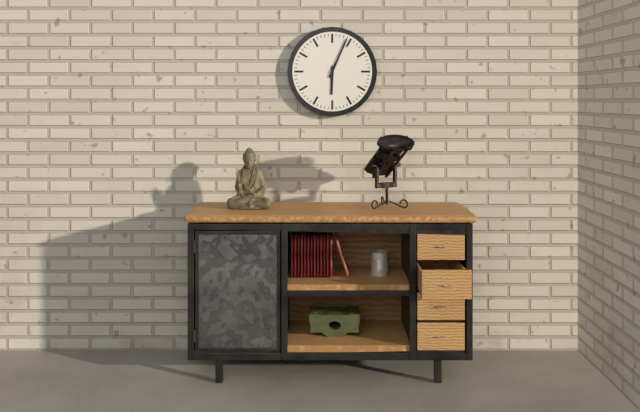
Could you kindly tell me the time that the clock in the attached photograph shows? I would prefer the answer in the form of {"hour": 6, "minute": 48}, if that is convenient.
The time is {"hour": 6, "minute": 4}
